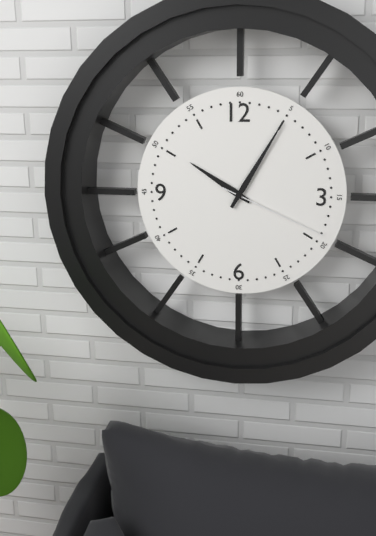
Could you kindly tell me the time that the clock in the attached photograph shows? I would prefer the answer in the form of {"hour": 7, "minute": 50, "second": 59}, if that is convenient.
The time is {"hour": 10, "minute": 5, "second": 19}
